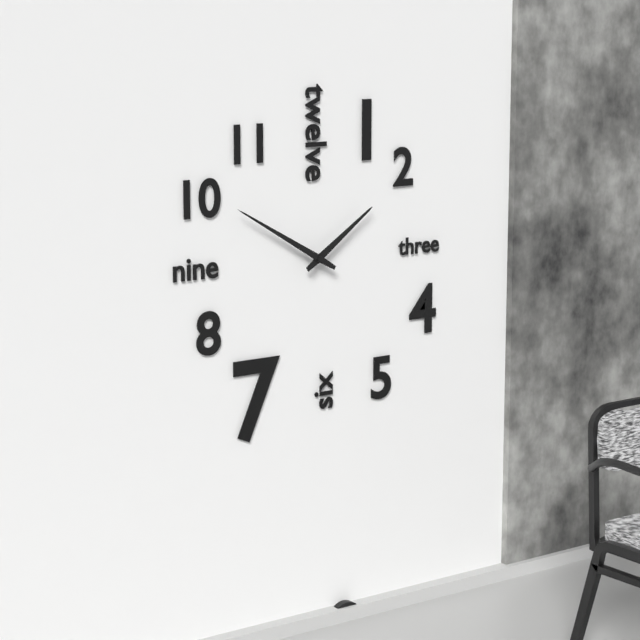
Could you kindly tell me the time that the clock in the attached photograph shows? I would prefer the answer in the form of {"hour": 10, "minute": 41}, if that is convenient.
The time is {"hour": 1, "minute": 50}
